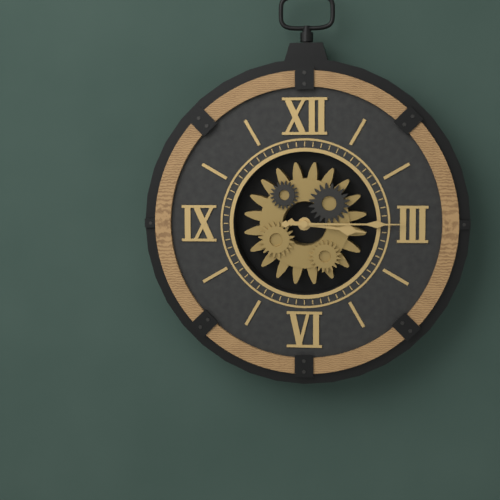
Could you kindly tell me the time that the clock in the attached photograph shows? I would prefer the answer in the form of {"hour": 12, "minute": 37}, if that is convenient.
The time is {"hour": 3, "minute": 15}
